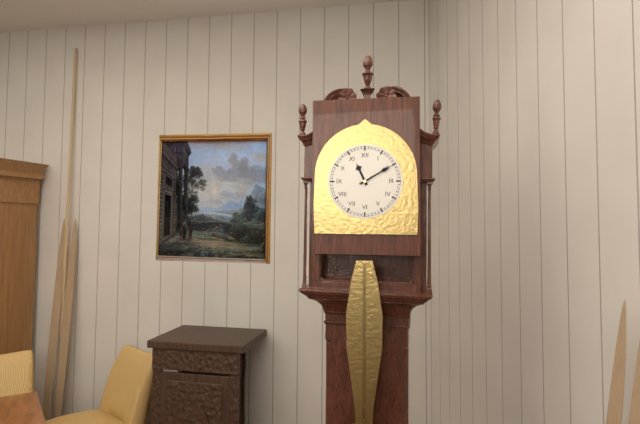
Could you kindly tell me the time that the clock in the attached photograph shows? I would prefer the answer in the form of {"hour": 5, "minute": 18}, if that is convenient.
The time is {"hour": 11, "minute": 10}
